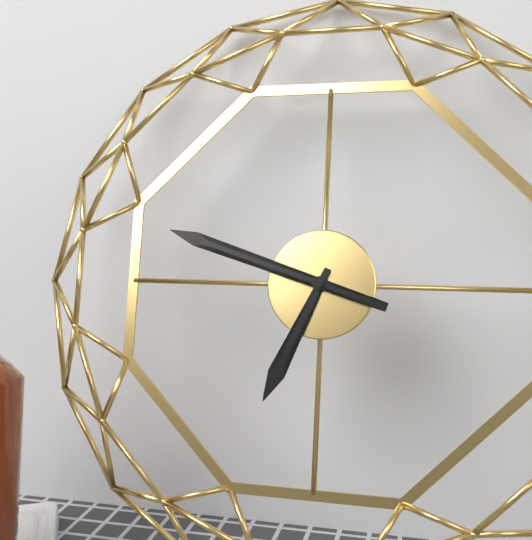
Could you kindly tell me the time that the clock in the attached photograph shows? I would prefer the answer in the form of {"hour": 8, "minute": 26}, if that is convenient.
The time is {"hour": 6, "minute": 48}
